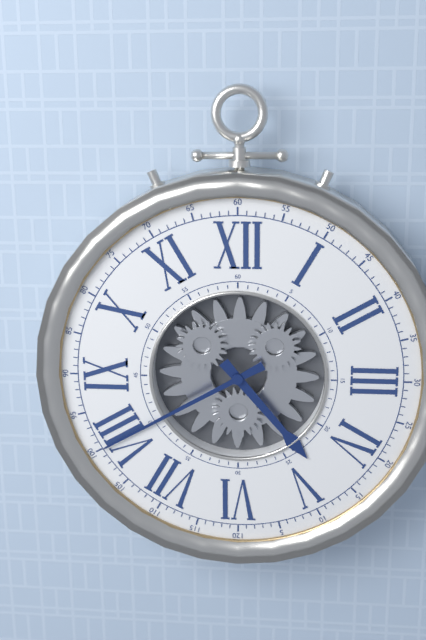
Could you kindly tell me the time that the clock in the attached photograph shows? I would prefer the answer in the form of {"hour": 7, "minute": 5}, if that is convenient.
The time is {"hour": 4, "minute": 40}
